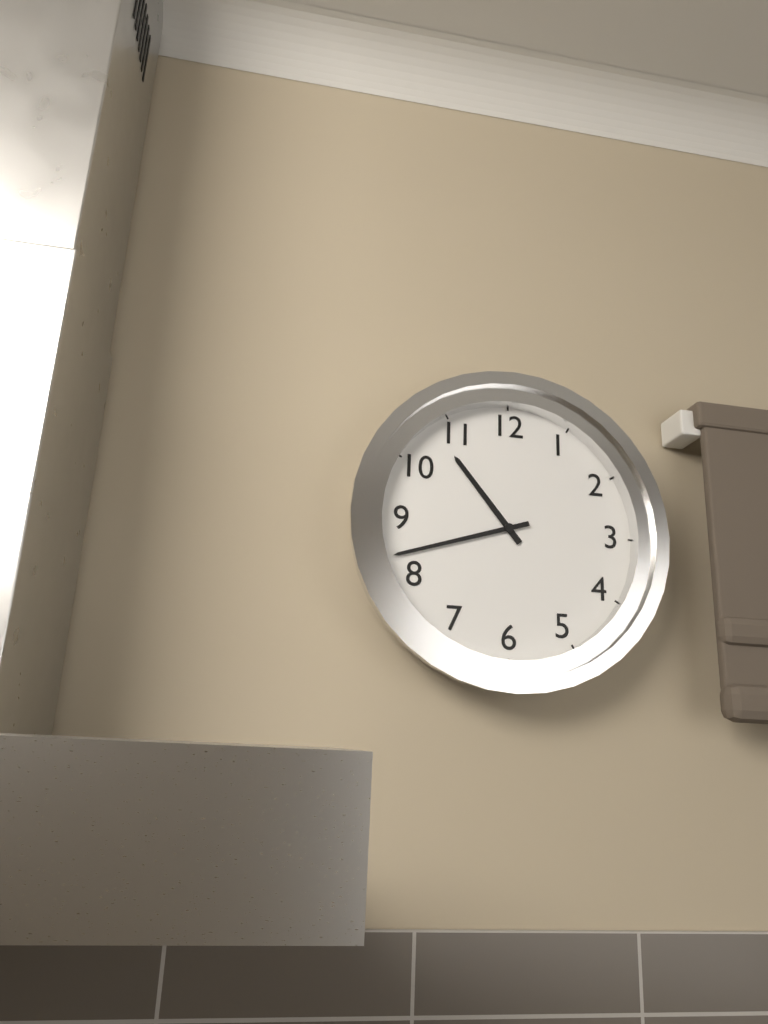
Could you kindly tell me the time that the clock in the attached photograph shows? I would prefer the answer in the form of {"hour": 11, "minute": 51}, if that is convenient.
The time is {"hour": 10, "minute": 42}
